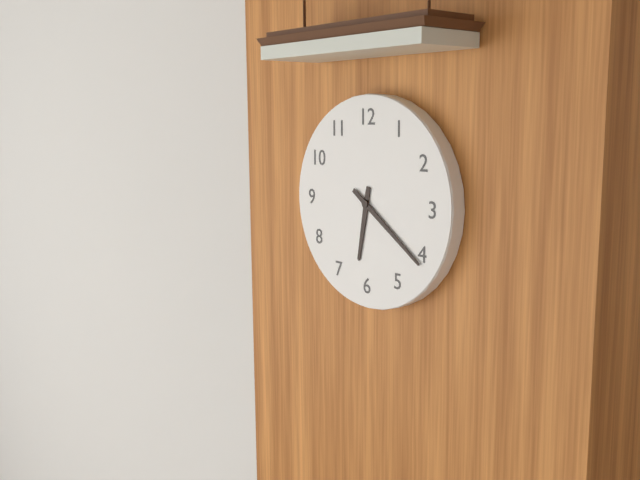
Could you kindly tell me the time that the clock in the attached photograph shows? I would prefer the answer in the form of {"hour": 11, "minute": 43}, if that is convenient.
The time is {"hour": 6, "minute": 21}
